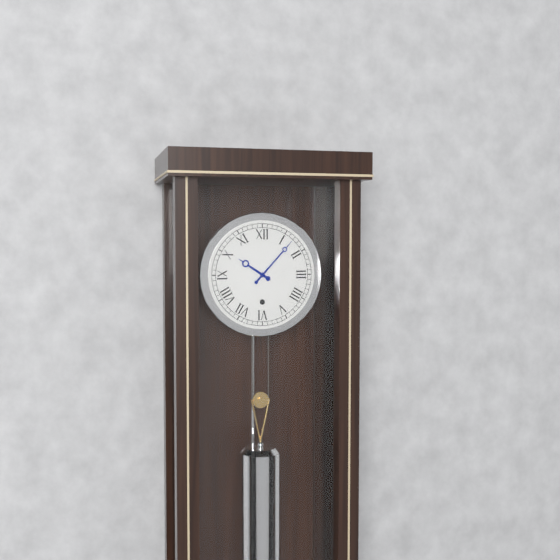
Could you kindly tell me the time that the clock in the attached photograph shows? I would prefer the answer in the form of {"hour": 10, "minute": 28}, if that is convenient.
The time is {"hour": 10, "minute": 7}
